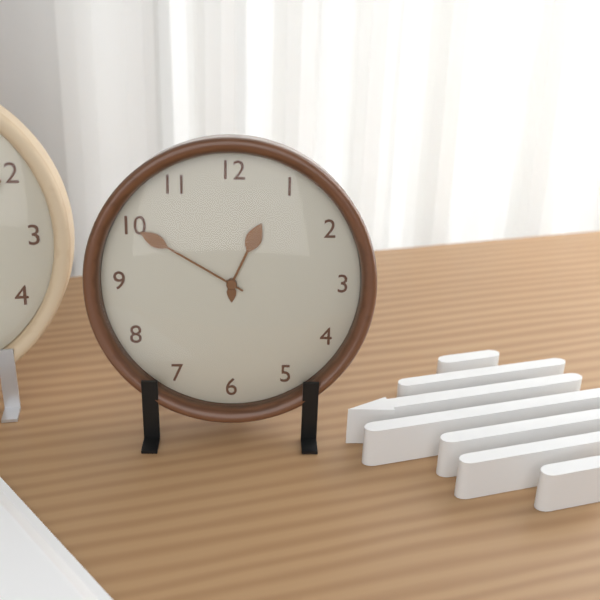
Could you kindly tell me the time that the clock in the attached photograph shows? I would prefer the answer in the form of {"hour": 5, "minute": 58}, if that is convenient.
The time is {"hour": 12, "minute": 50}
